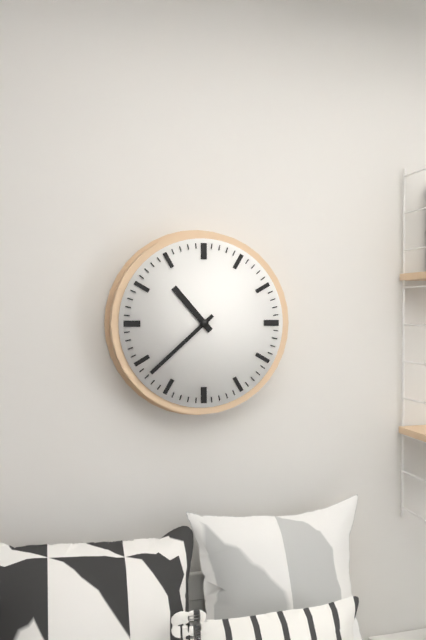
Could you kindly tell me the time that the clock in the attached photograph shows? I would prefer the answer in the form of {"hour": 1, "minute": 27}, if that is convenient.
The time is {"hour": 10, "minute": 38}
